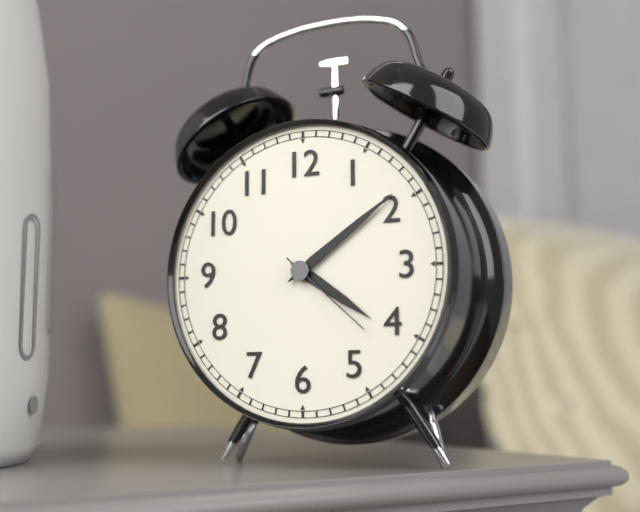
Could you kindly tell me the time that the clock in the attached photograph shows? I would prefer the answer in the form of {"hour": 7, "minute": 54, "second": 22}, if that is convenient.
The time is {"hour": 4, "minute": 9, "second": 22}
